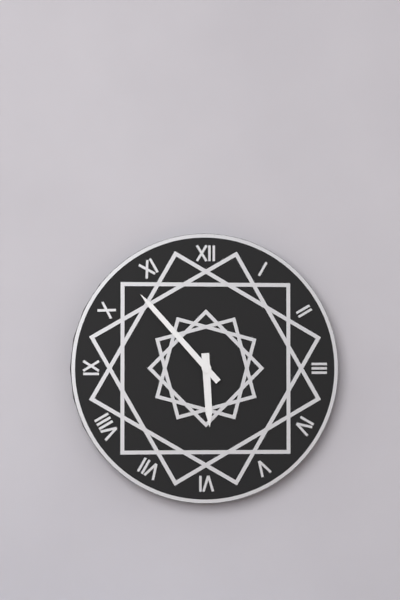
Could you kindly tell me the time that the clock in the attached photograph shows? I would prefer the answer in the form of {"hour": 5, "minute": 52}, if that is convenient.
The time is {"hour": 5, "minute": 53}
